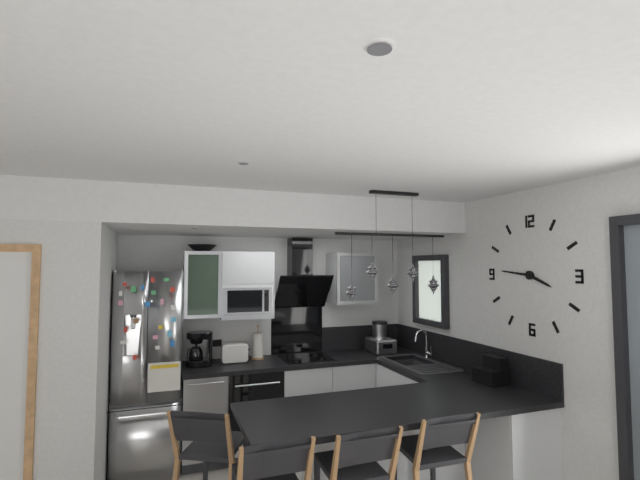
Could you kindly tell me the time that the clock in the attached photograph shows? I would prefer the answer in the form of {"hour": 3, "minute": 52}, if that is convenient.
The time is {"hour": 3, "minute": 46}
